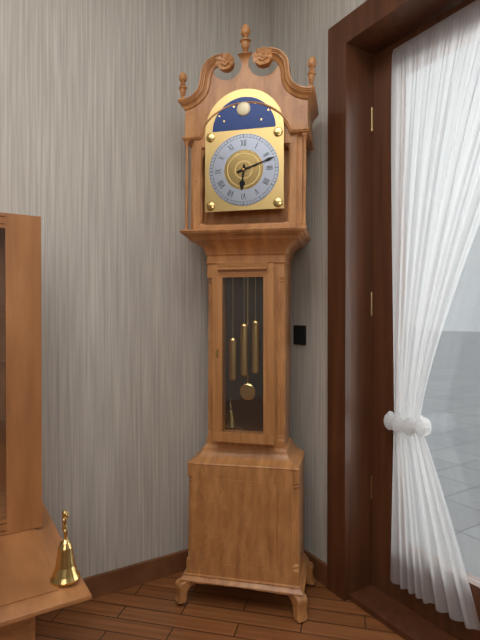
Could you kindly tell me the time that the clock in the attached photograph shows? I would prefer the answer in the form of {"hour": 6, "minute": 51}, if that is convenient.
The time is {"hour": 6, "minute": 12}
